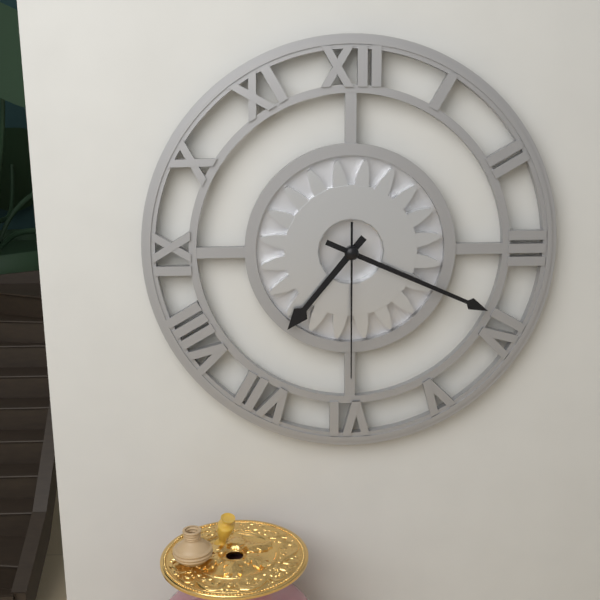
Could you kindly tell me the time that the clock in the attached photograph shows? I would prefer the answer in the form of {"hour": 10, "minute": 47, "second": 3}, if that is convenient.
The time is {"hour": 7, "minute": 19, "second": 30}
